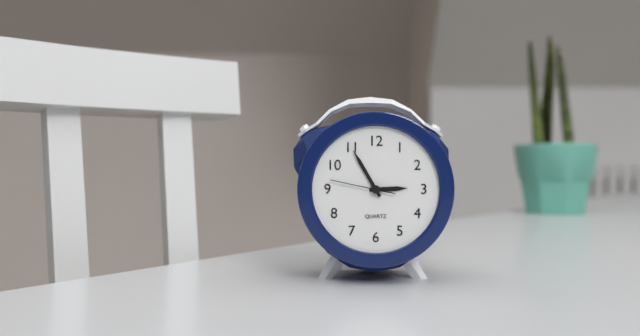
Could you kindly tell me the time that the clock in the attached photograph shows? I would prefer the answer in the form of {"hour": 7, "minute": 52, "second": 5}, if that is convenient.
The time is {"hour": 2, "minute": 55, "second": 47}
